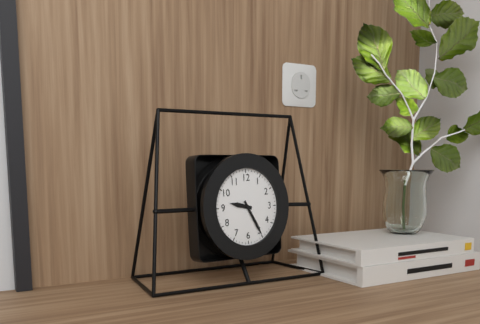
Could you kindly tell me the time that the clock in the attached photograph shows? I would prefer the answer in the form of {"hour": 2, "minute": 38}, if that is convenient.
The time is {"hour": 9, "minute": 25}
